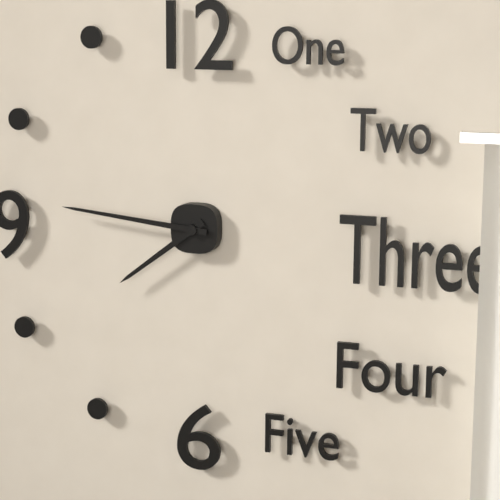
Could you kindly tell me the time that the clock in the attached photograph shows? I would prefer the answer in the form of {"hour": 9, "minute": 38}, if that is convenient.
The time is {"hour": 7, "minute": 46}
